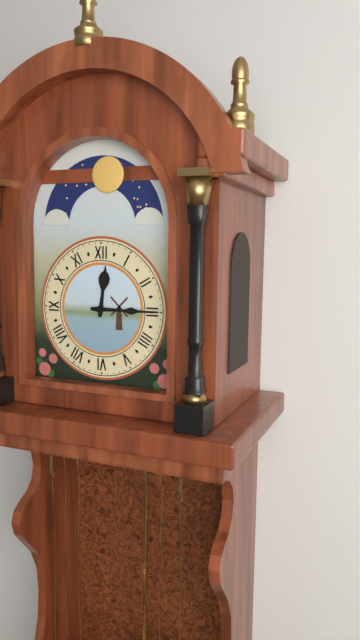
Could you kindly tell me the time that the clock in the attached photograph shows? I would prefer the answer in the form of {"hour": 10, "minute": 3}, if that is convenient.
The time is {"hour": 12, "minute": 15}
